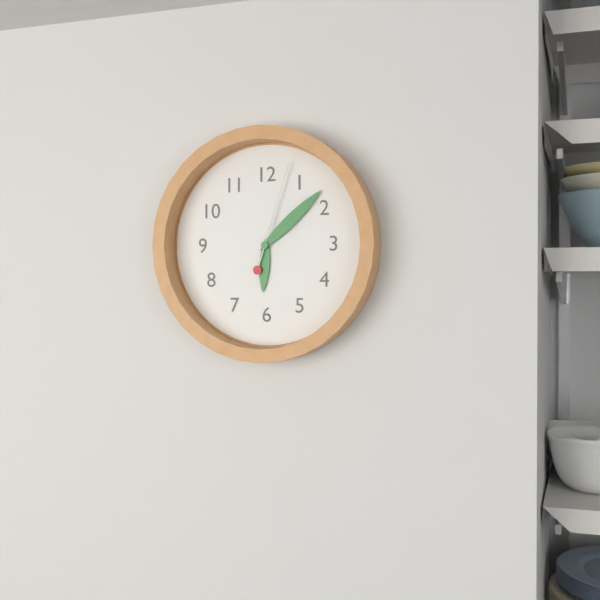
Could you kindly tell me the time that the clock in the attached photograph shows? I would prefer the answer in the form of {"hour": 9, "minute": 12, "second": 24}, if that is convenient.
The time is {"hour": 6, "minute": 8, "second": 3}
